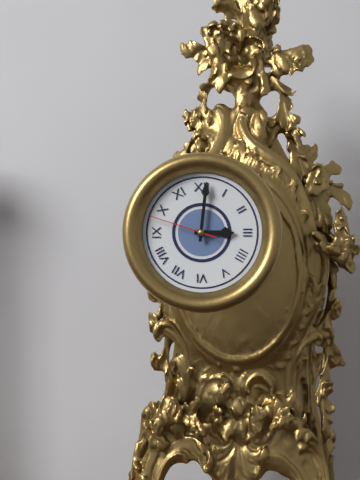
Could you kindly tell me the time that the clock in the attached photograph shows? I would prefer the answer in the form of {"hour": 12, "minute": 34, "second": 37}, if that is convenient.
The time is {"hour": 3, "minute": 1, "second": 48}
